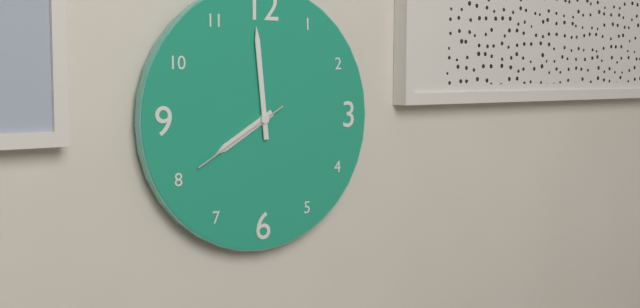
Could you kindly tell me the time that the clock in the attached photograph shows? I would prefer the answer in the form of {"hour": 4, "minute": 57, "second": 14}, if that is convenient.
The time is {"hour": 7, "minute": 59, "second": 40}
